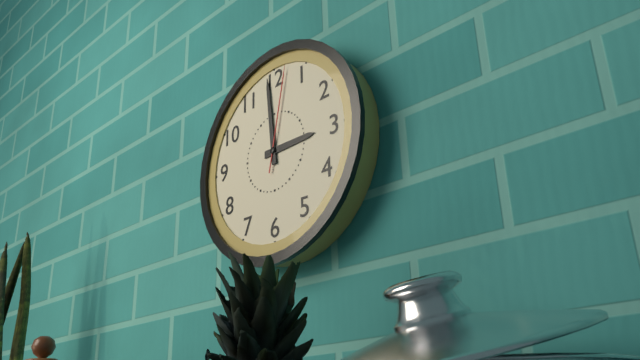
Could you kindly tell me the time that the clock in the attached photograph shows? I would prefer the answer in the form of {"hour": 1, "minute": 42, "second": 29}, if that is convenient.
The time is {"hour": 2, "minute": 59, "second": 2}
